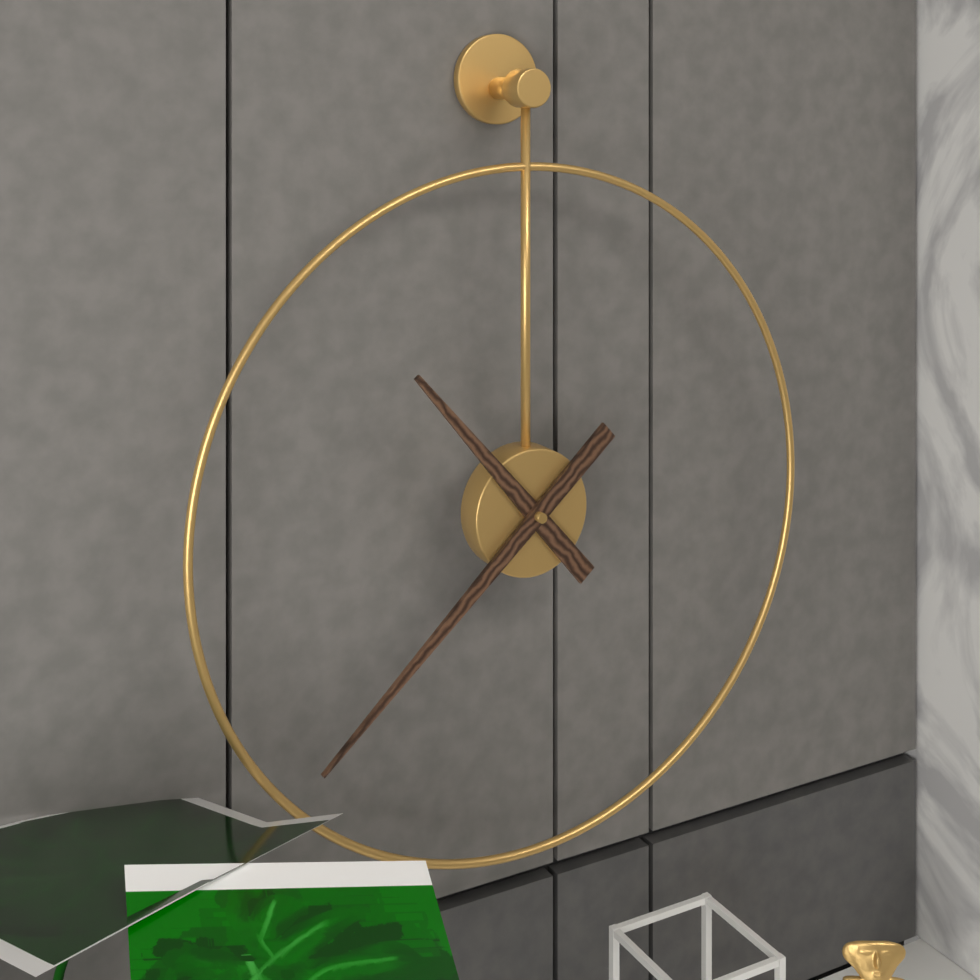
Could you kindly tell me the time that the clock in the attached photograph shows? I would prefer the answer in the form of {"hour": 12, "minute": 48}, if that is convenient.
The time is {"hour": 10, "minute": 38}
